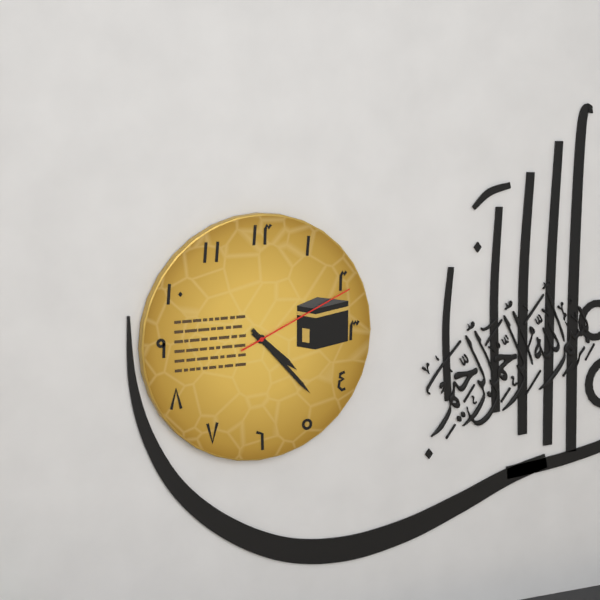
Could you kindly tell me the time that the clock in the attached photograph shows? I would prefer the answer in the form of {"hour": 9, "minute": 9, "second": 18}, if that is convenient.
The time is {"hour": 4, "minute": 23, "second": 11}
